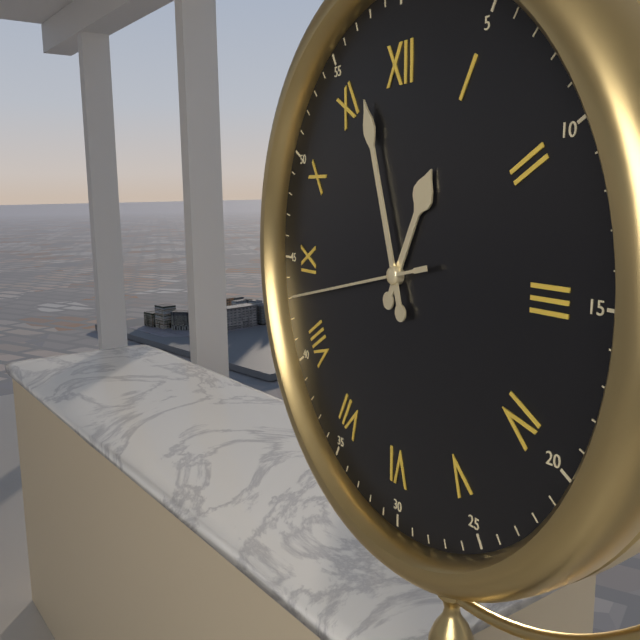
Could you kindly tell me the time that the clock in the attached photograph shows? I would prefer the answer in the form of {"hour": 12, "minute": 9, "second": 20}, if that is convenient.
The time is {"hour": 12, "minute": 57, "second": 43}
